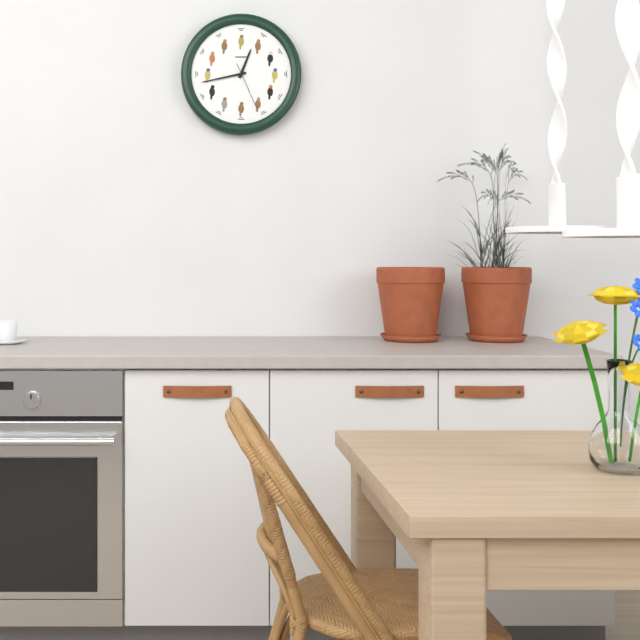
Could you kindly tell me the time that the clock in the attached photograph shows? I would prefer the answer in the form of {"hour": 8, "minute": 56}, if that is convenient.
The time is {"hour": 12, "minute": 43}
